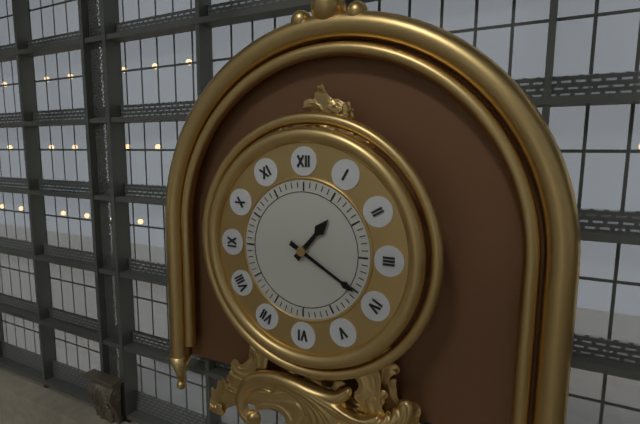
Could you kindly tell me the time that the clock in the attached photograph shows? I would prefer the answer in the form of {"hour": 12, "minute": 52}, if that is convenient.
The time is {"hour": 1, "minute": 20}
